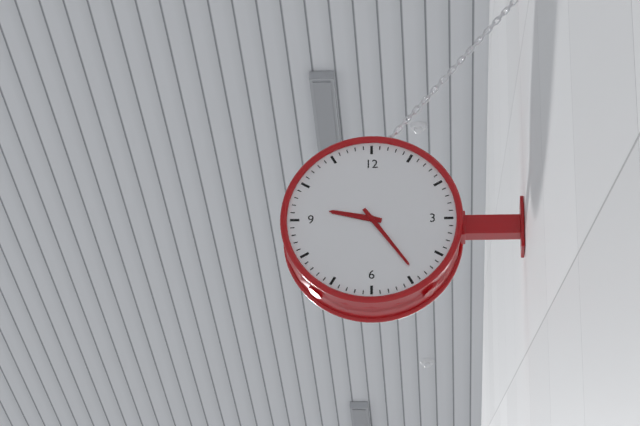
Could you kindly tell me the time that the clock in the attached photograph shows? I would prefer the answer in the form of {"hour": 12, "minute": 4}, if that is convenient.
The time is {"hour": 9, "minute": 24}
